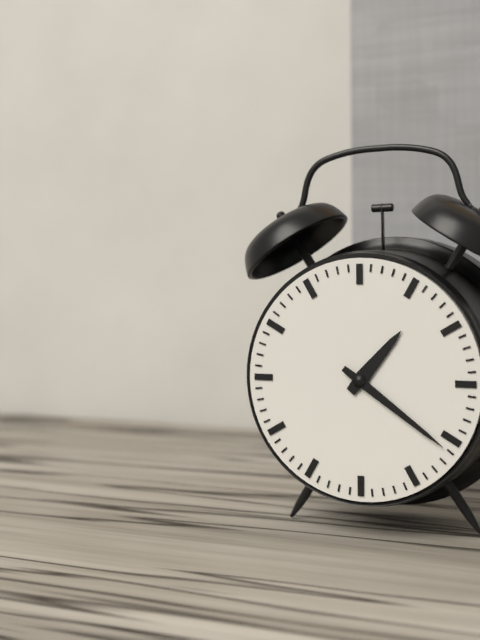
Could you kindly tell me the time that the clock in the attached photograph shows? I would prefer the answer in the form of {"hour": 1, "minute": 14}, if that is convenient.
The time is {"hour": 1, "minute": 21}
